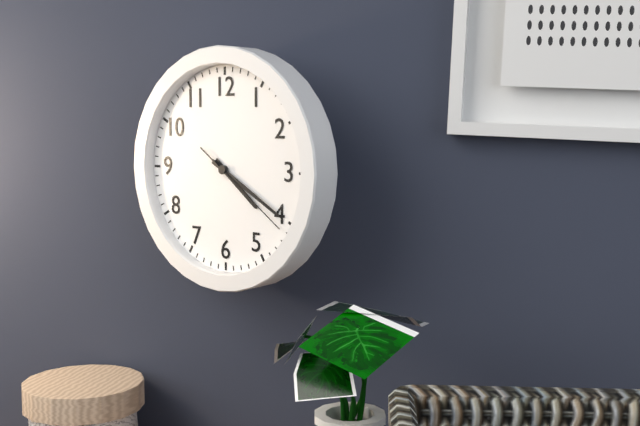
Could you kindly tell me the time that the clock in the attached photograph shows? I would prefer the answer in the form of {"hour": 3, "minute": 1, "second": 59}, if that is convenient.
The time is {"hour": 4, "minute": 20, "second": 21}
